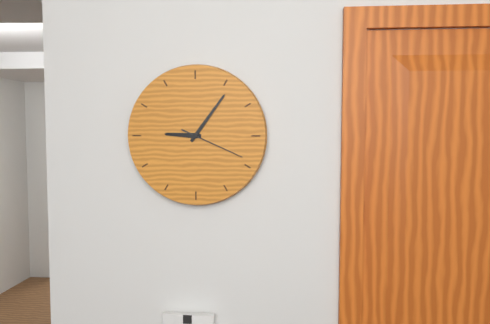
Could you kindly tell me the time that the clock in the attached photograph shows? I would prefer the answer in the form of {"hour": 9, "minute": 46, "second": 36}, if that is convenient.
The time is {"hour": 9, "minute": 6, "second": 19}
